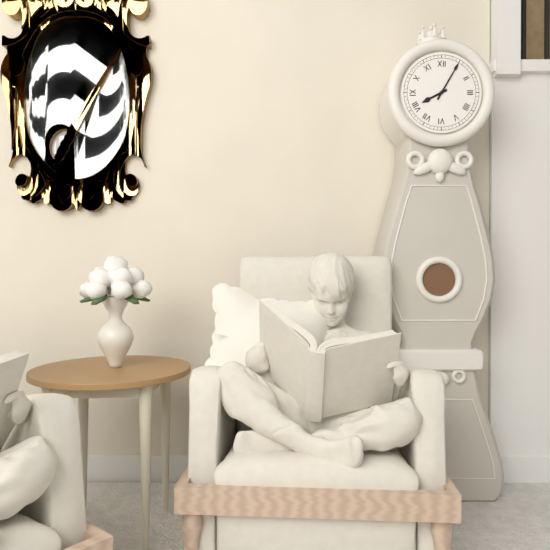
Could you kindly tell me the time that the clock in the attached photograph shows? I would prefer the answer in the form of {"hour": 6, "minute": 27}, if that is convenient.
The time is {"hour": 8, "minute": 5}
